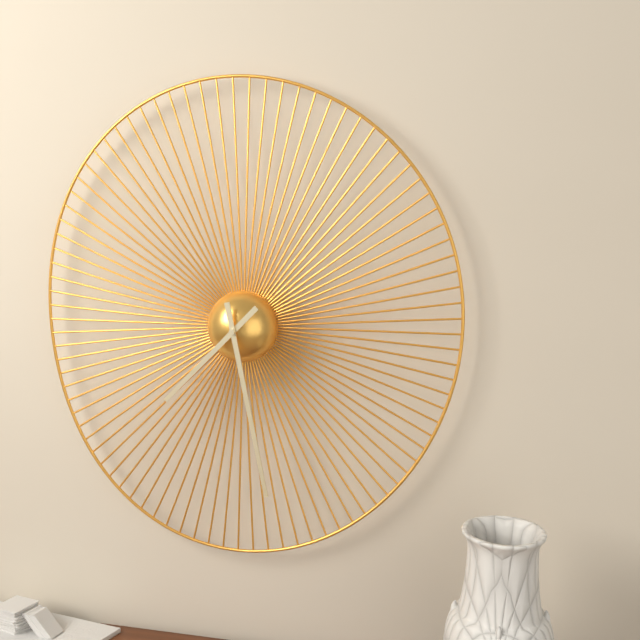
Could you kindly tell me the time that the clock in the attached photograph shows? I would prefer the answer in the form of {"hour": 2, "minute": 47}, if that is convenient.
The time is {"hour": 7, "minute": 28}
